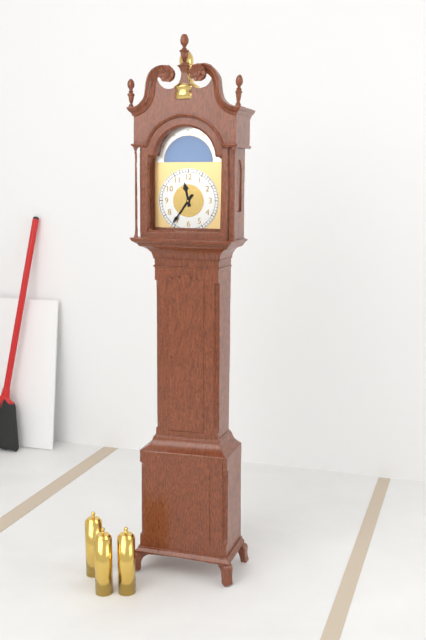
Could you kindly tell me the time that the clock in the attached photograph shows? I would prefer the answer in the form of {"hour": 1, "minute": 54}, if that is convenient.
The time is {"hour": 11, "minute": 36}
